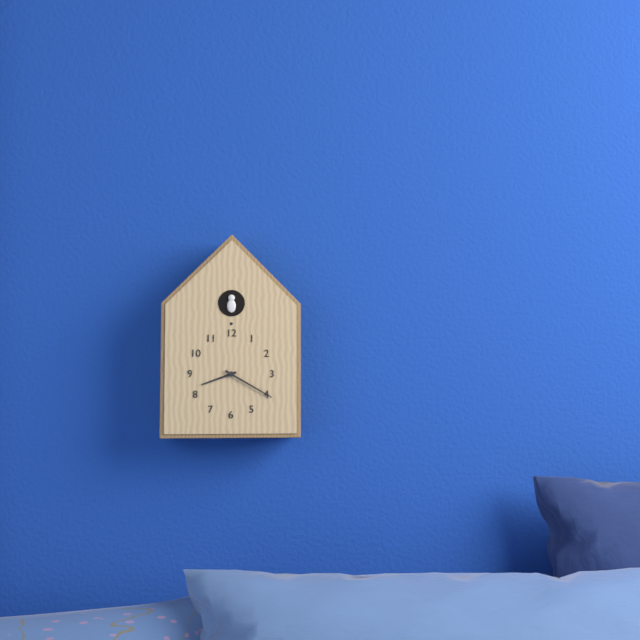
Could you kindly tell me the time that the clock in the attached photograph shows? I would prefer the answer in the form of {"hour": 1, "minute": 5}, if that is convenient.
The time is {"hour": 8, "minute": 20}
